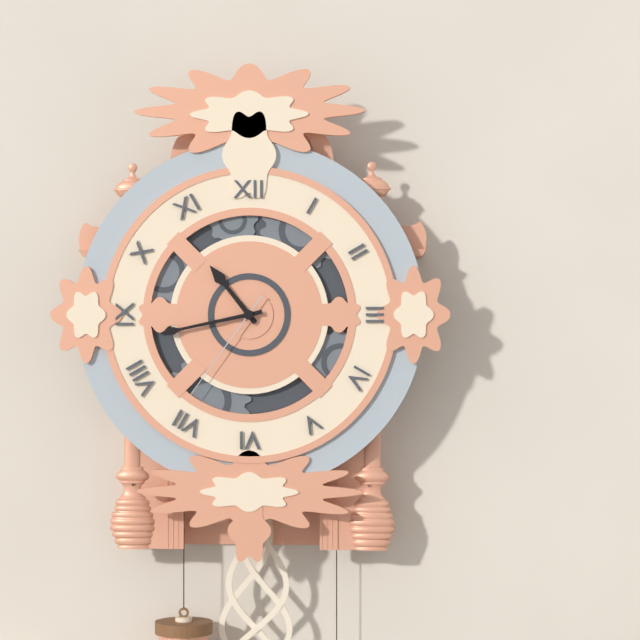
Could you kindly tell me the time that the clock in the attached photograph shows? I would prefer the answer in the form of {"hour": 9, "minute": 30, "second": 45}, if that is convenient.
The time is {"hour": 10, "minute": 43, "second": 36}
